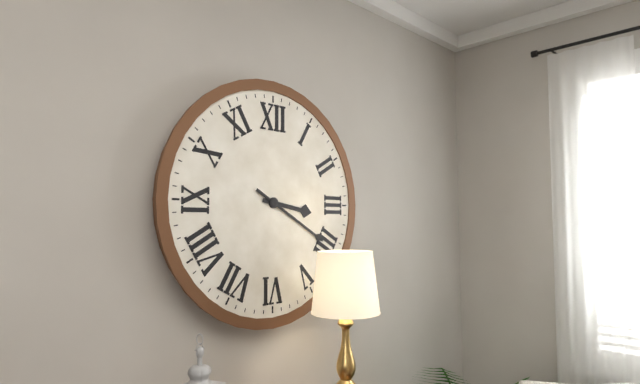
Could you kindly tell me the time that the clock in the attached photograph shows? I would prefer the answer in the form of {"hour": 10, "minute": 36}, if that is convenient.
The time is {"hour": 3, "minute": 20}
